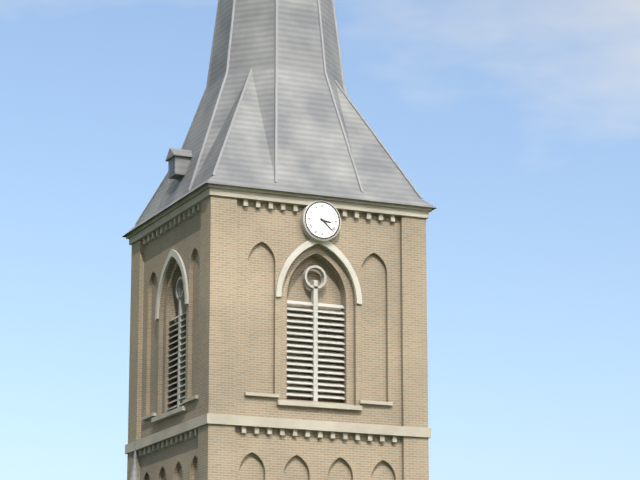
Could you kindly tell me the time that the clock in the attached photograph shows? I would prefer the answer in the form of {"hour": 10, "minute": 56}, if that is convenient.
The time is {"hour": 3, "minute": 22}
